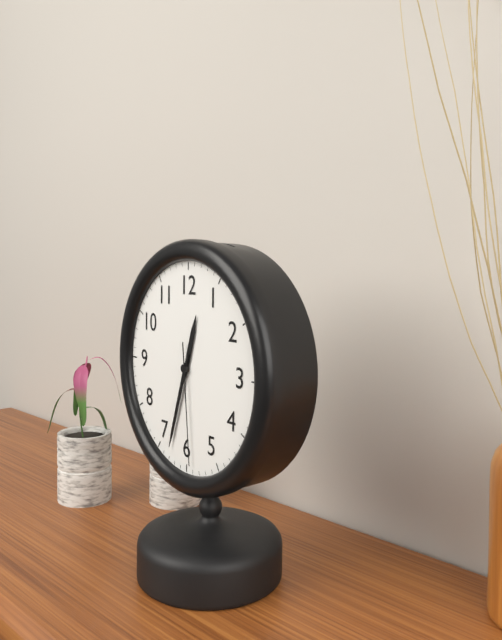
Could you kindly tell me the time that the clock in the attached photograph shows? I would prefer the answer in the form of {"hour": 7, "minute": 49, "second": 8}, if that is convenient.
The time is {"hour": 12, "minute": 33, "second": 29}
